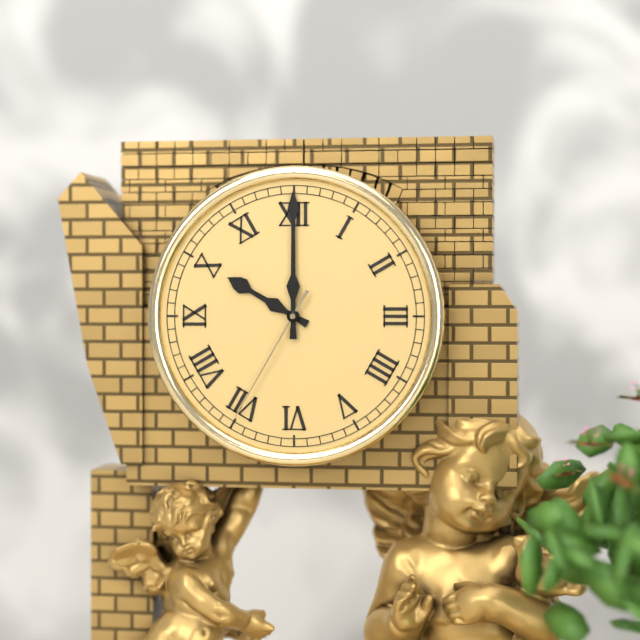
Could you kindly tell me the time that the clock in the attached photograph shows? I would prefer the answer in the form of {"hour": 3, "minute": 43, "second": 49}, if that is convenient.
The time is {"hour": 10, "minute": 0, "second": 35}
